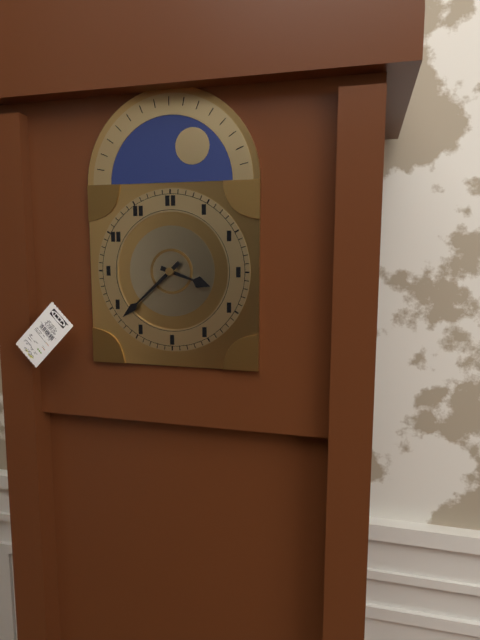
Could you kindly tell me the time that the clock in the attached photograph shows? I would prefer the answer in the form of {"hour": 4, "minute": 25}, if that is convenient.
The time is {"hour": 3, "minute": 38}
